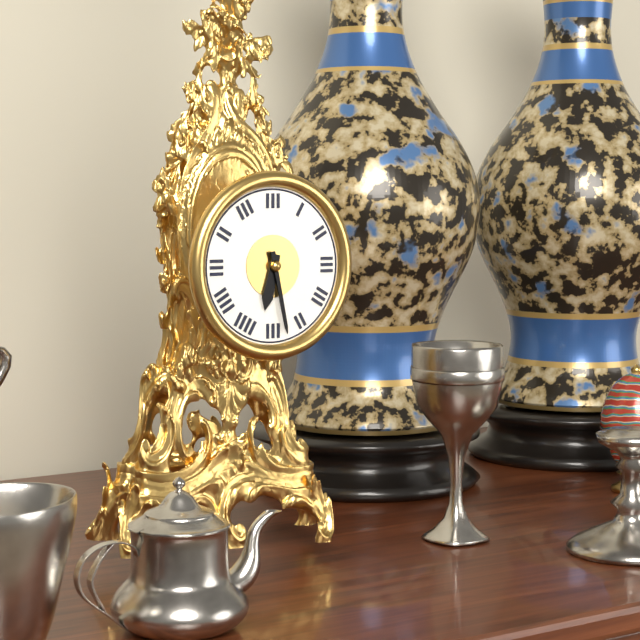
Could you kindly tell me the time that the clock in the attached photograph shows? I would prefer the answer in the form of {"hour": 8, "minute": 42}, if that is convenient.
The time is {"hour": 6, "minute": 28}
